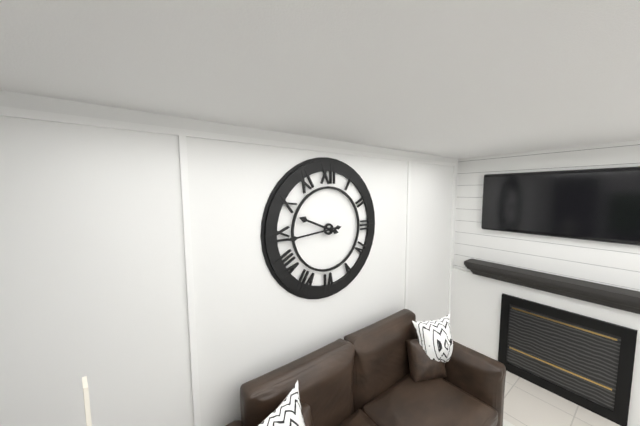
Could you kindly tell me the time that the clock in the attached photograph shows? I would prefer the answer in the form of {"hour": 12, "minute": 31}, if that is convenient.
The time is {"hour": 9, "minute": 44}
